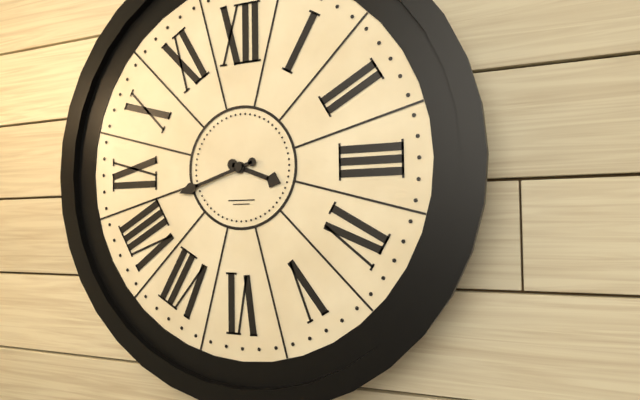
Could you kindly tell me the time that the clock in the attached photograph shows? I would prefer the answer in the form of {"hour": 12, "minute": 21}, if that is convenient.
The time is {"hour": 3, "minute": 42}
